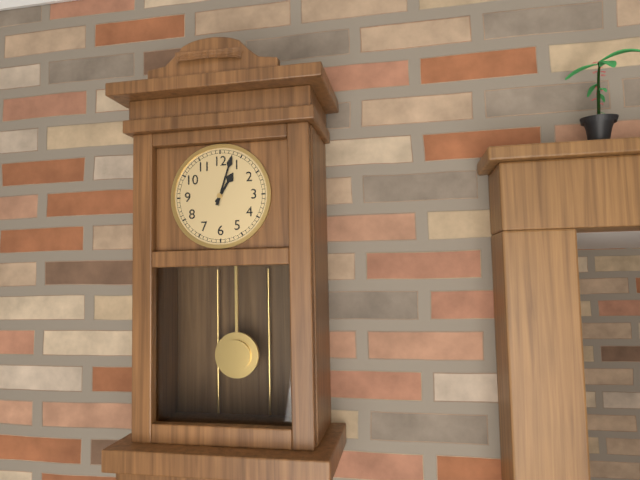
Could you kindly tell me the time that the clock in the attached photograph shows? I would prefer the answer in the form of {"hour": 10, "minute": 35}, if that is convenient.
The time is {"hour": 1, "minute": 3}
